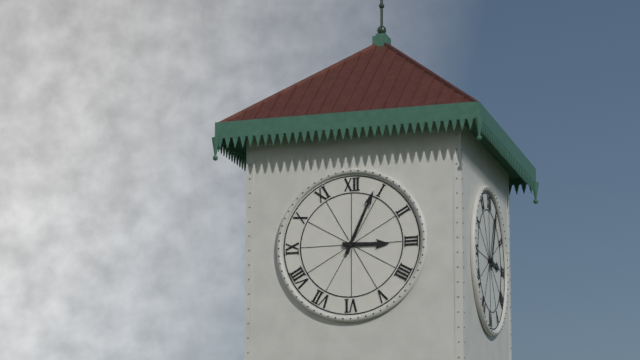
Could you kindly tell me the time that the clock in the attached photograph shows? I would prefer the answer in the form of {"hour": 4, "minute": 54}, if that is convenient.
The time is {"hour": 3, "minute": 4}
